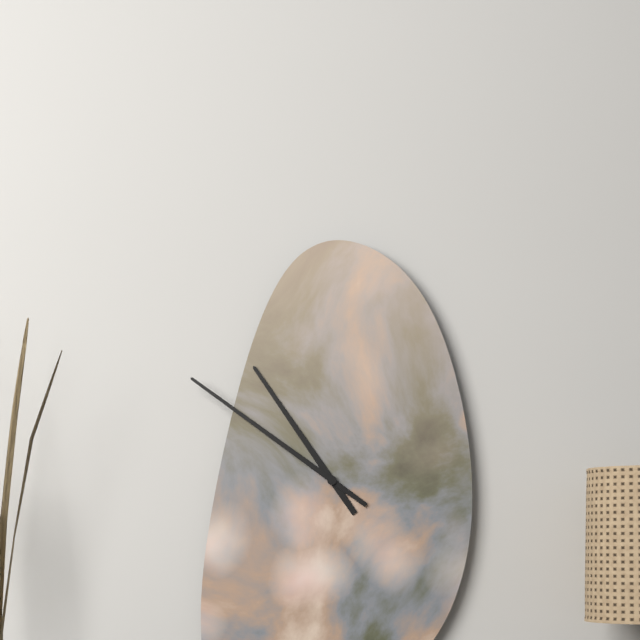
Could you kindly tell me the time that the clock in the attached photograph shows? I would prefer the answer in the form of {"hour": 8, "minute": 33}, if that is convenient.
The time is {"hour": 10, "minute": 51}
